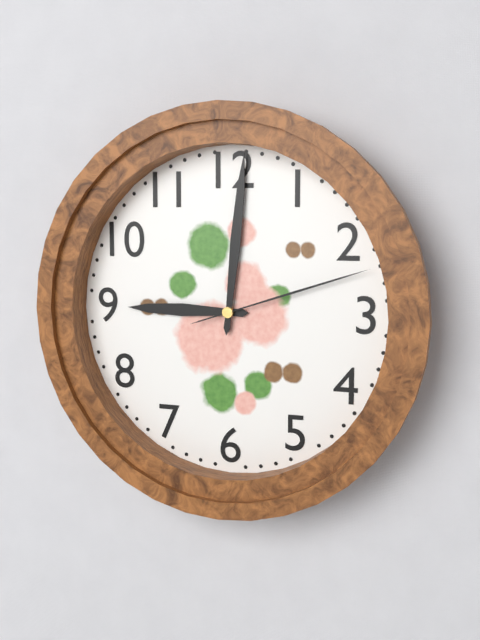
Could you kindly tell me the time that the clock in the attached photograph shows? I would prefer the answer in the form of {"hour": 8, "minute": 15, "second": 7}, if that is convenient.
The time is {"hour": 9, "minute": 1, "second": 12}
